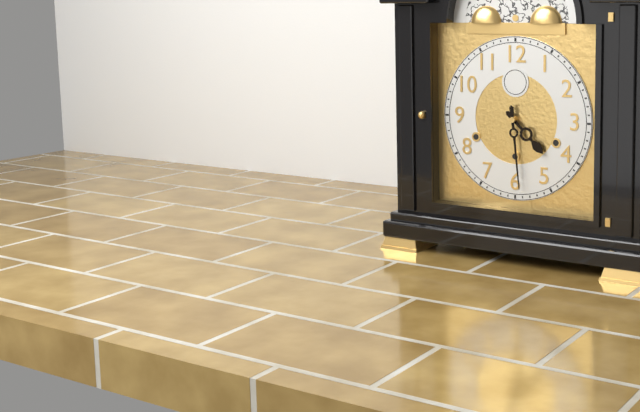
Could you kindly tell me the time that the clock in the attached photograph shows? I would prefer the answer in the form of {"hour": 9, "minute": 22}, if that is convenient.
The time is {"hour": 4, "minute": 29}
